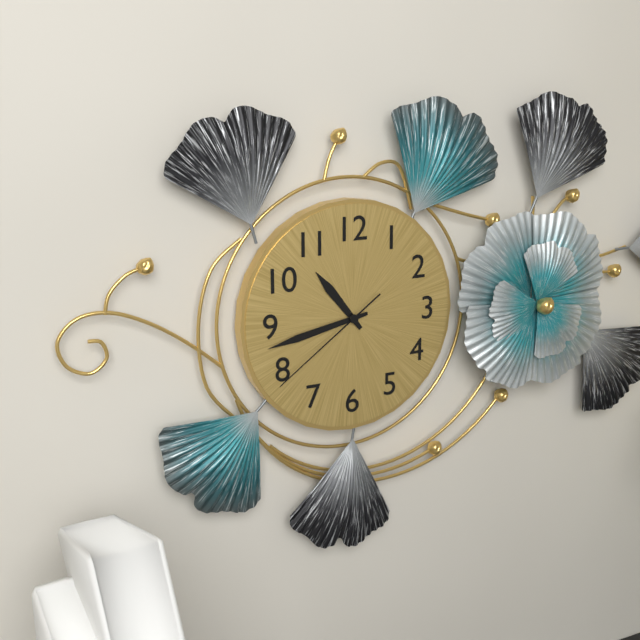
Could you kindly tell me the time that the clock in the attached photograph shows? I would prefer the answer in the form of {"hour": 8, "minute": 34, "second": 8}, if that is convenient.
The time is {"hour": 10, "minute": 43, "second": 39}
